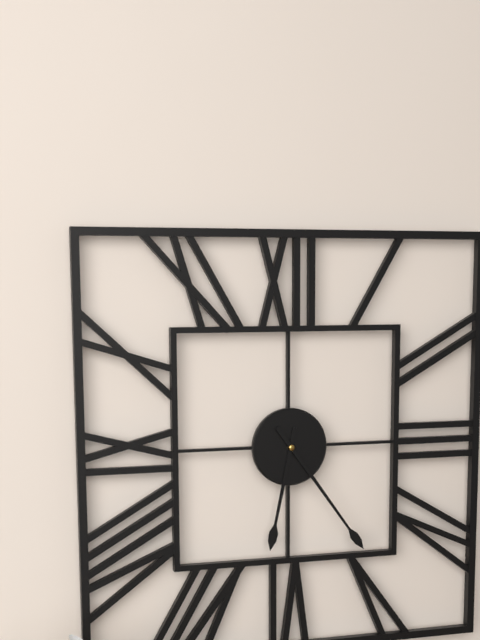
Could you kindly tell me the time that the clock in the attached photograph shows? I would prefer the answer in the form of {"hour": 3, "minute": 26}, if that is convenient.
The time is {"hour": 6, "minute": 24}
